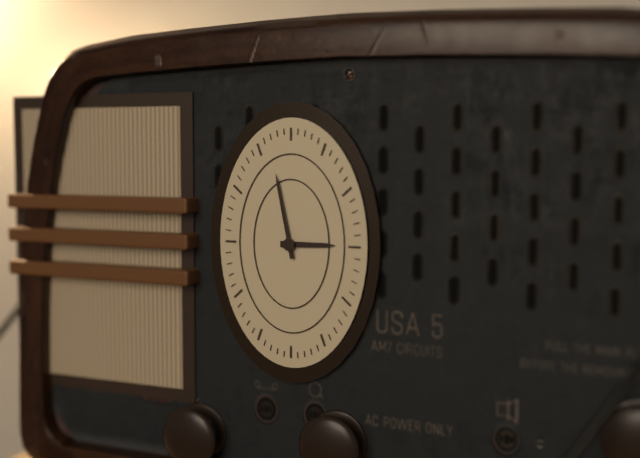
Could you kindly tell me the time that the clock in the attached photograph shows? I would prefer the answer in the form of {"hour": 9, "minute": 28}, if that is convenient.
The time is {"hour": 2, "minute": 58}
